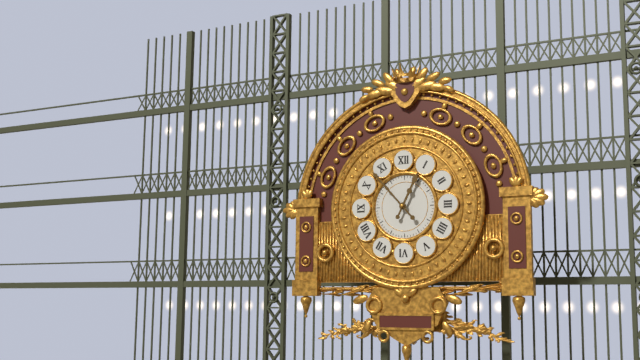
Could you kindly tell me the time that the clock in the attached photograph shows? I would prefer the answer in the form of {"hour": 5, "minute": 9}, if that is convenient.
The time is {"hour": 12, "minute": 53}
